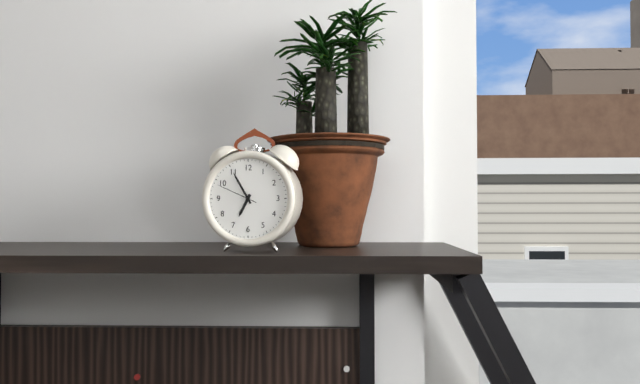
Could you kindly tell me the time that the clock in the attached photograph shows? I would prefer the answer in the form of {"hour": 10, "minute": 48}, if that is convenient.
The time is {"hour": 6, "minute": 55}
